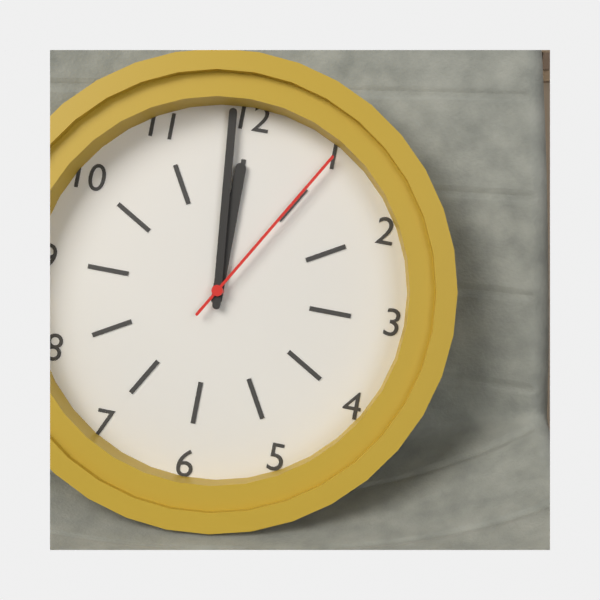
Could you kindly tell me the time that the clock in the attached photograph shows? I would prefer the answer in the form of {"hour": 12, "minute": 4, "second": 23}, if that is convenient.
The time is {"hour": 11, "minute": 59, "second": 5}
